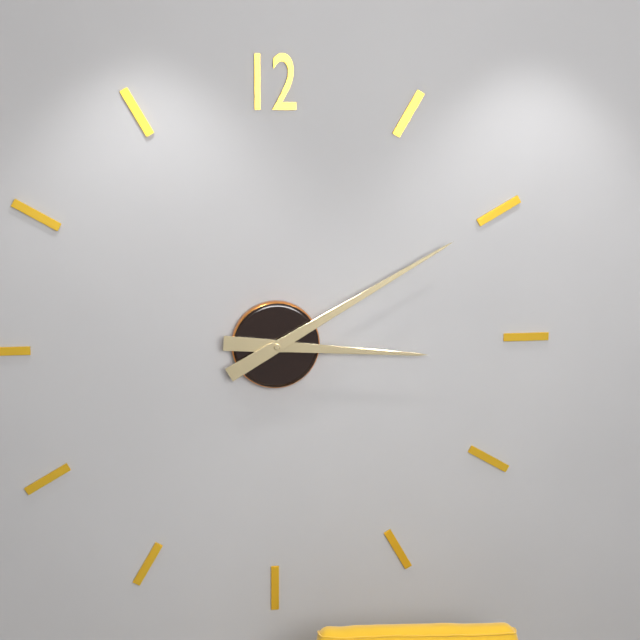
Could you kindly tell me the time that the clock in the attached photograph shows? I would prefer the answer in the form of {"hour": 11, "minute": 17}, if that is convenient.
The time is {"hour": 3, "minute": 10}
